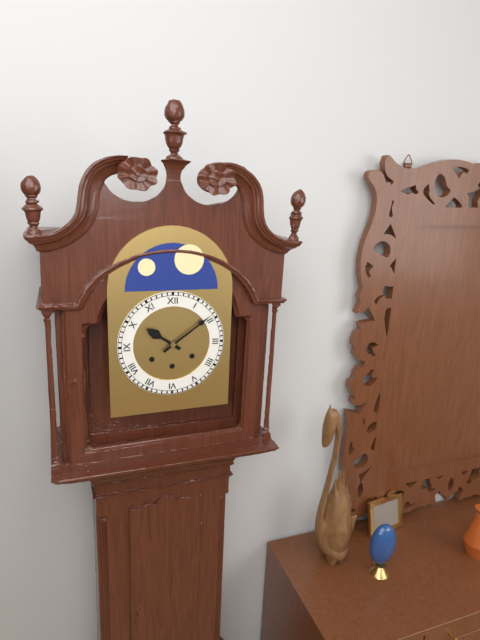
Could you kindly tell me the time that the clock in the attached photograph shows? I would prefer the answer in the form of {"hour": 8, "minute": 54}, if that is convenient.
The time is {"hour": 10, "minute": 9}
